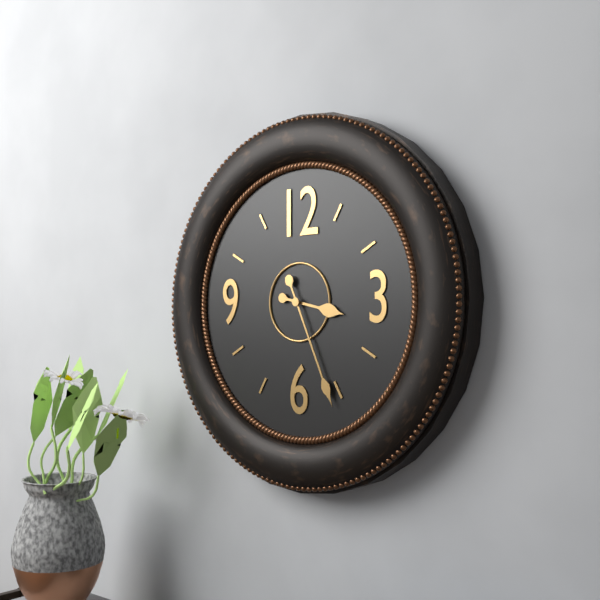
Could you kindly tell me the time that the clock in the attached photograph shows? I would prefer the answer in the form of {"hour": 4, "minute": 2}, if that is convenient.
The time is {"hour": 3, "minute": 26}
